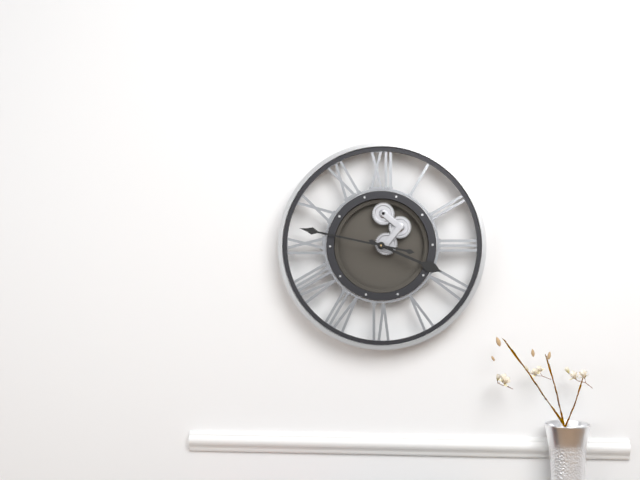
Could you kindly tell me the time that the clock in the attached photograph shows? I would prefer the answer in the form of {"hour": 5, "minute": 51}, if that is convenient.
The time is {"hour": 3, "minute": 47}
